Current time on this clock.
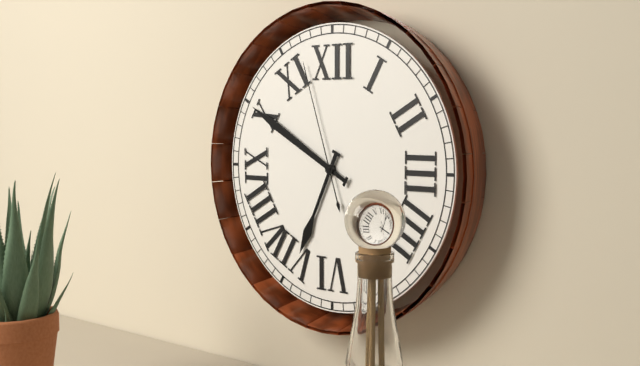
6:50:57
